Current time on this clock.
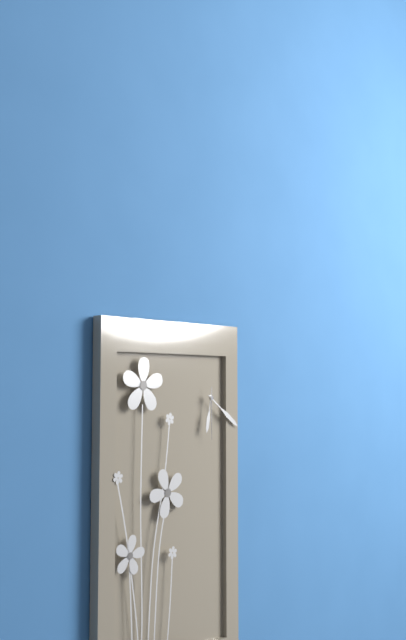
6:21:30
